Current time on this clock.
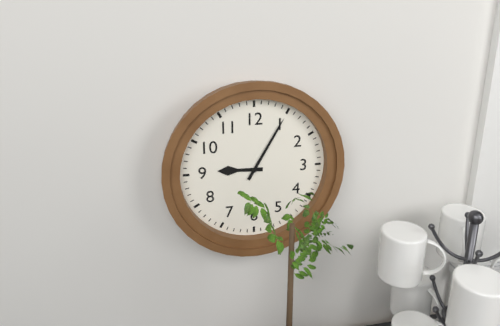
9:05
